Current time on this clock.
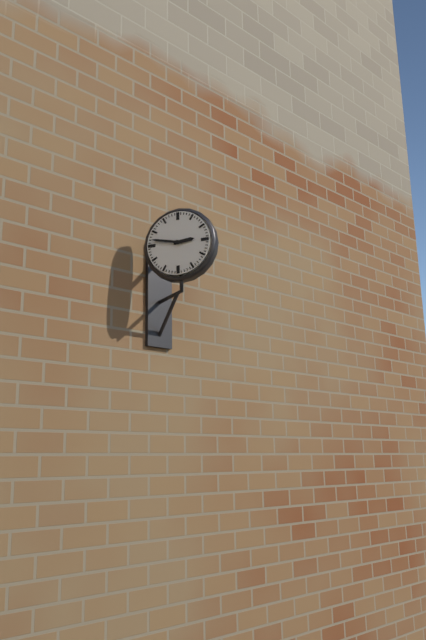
2:47
